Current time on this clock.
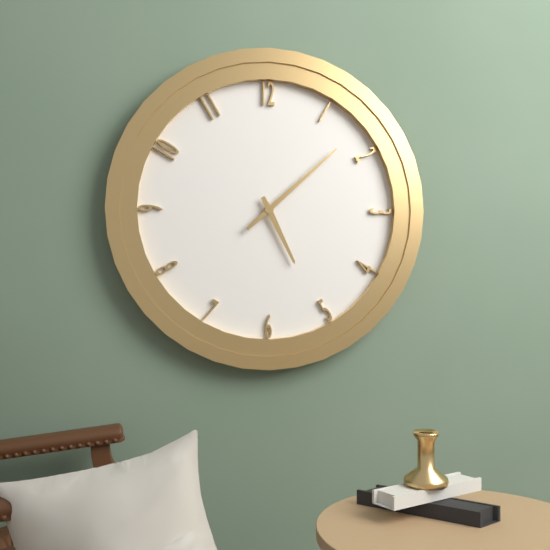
5:08
